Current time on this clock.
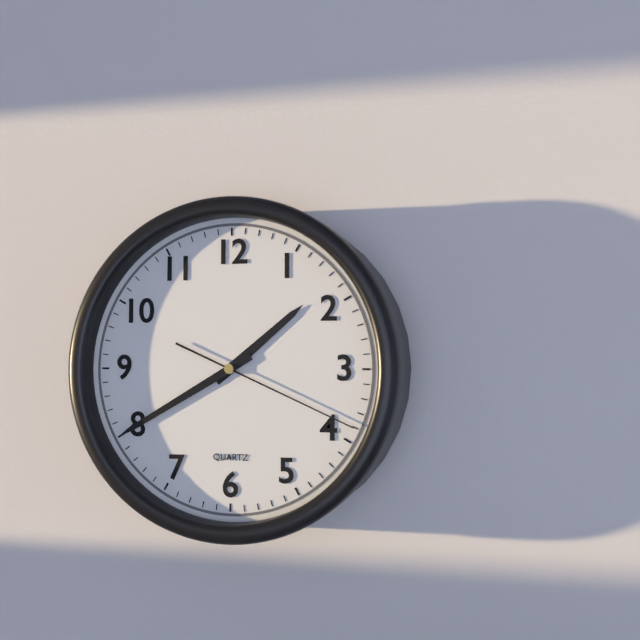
1:40:19
